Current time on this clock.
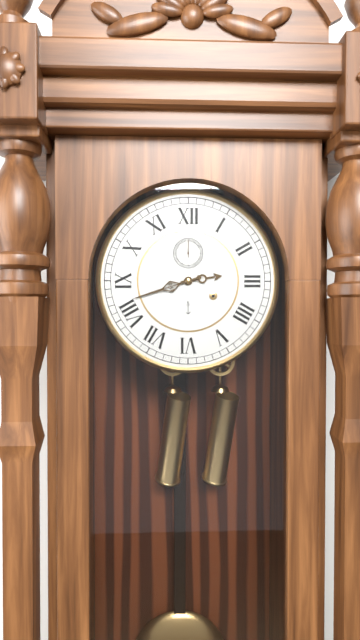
2:42
